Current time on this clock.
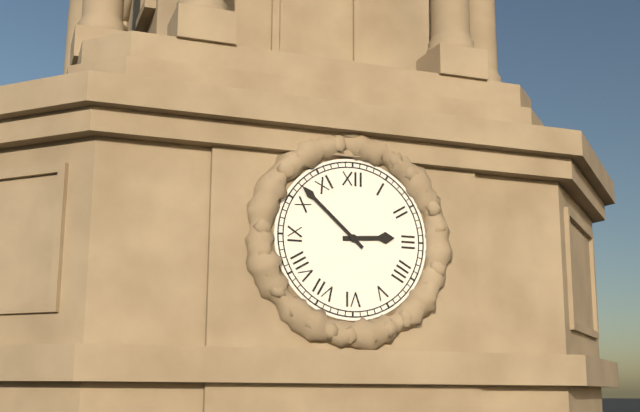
2:52
